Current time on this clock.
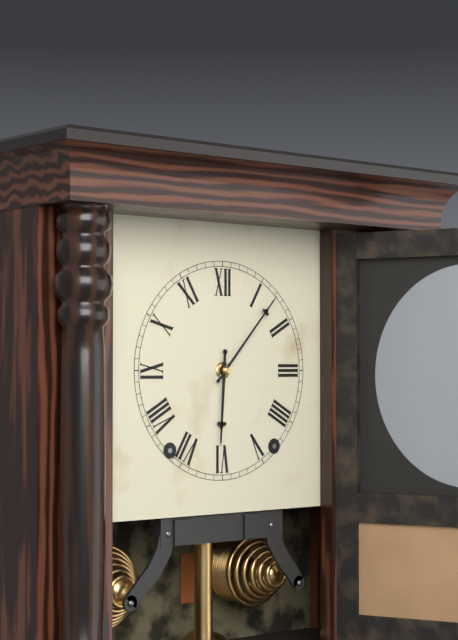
6:07
